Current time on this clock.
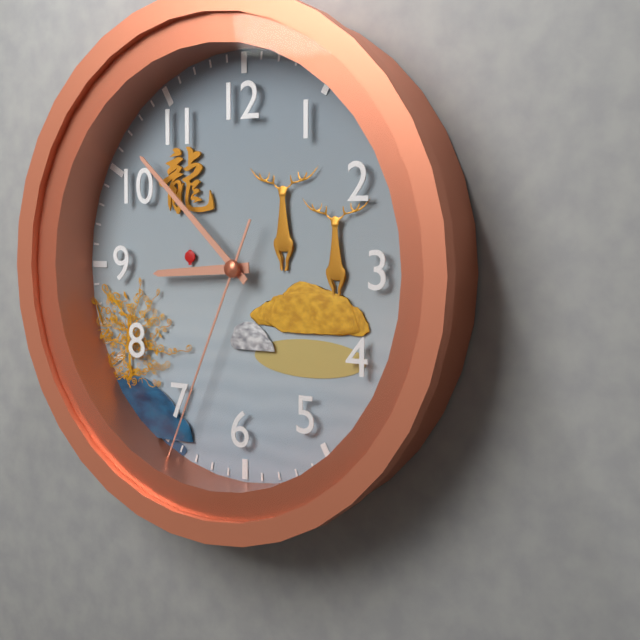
8:52:34
